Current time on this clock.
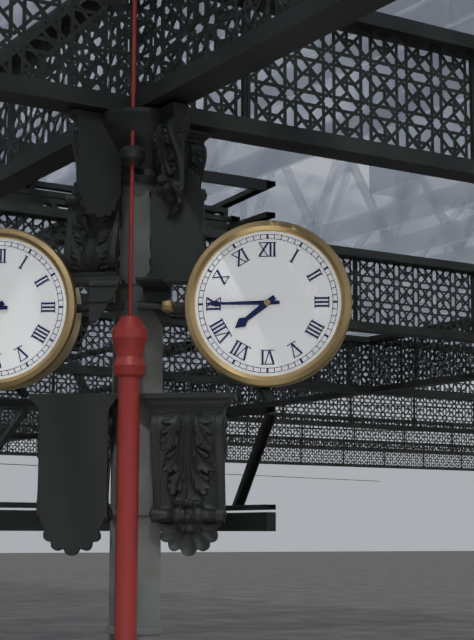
7:45
